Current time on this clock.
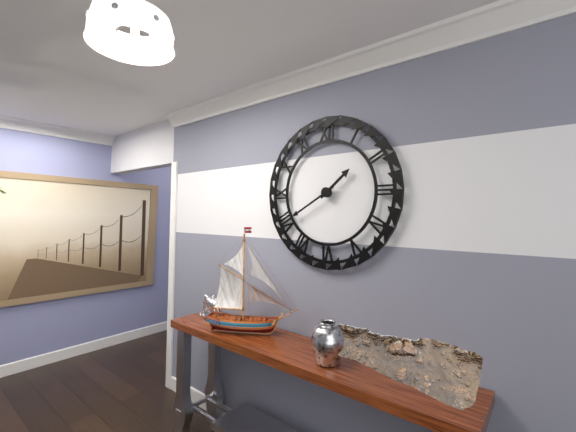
1:40
